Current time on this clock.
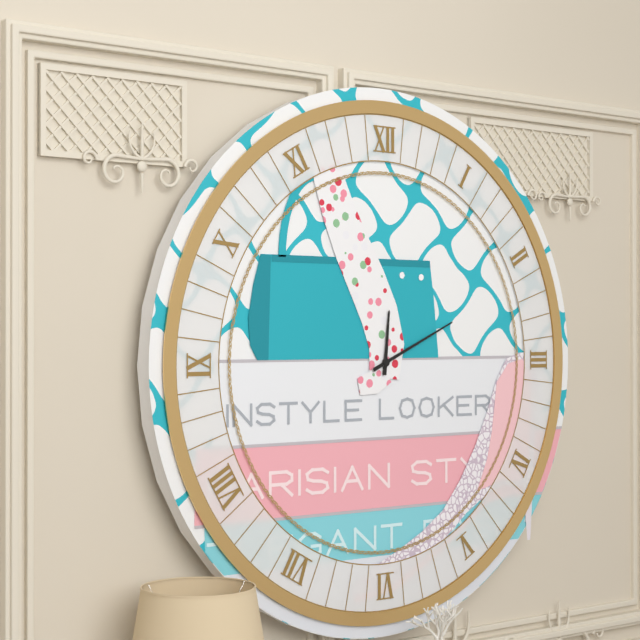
12:11
